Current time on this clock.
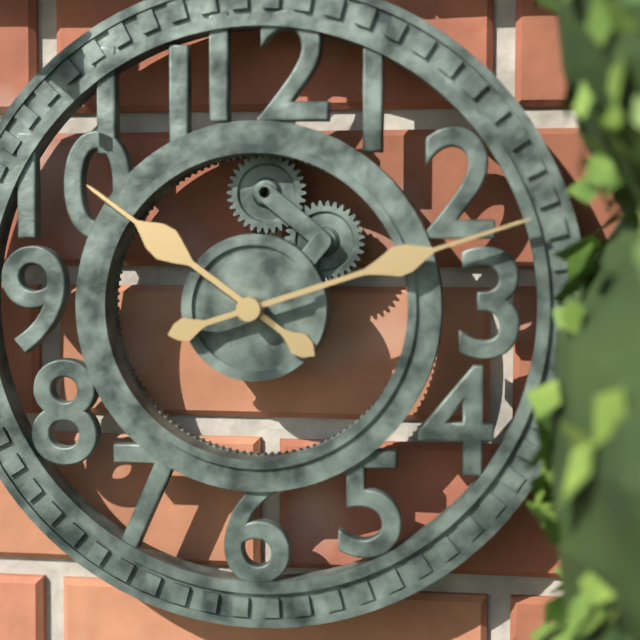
10:12
